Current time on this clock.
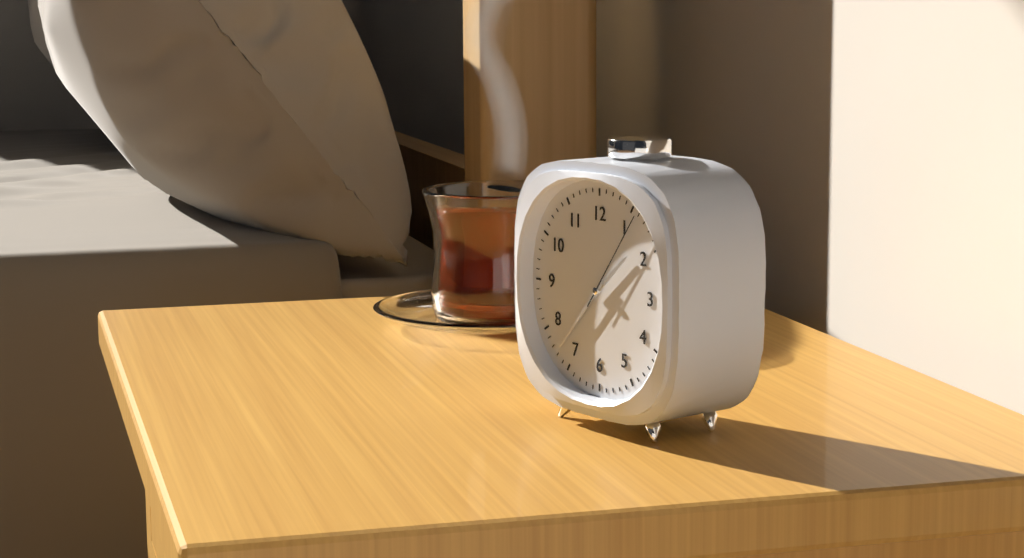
1:37:06
